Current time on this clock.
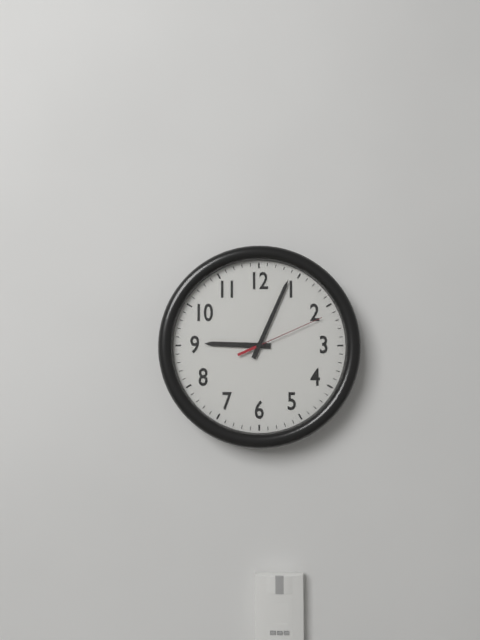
9:04:11
